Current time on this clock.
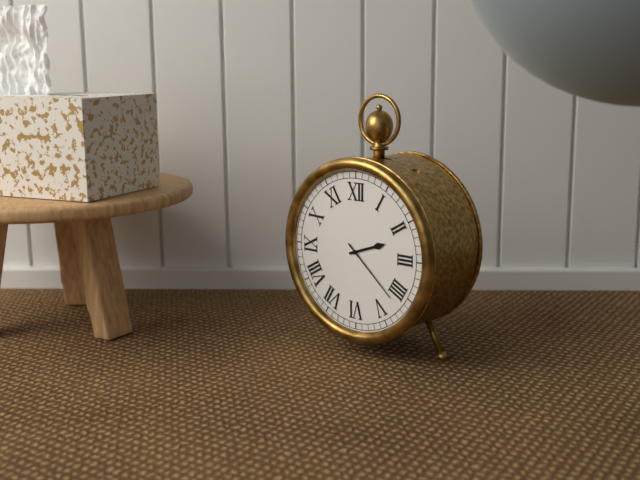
2:22
